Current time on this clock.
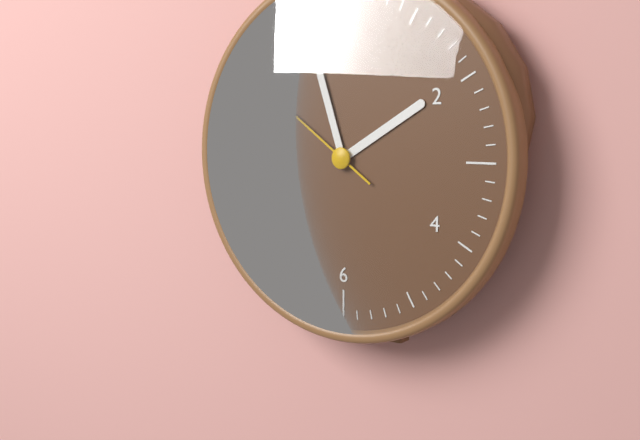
1:57:51
